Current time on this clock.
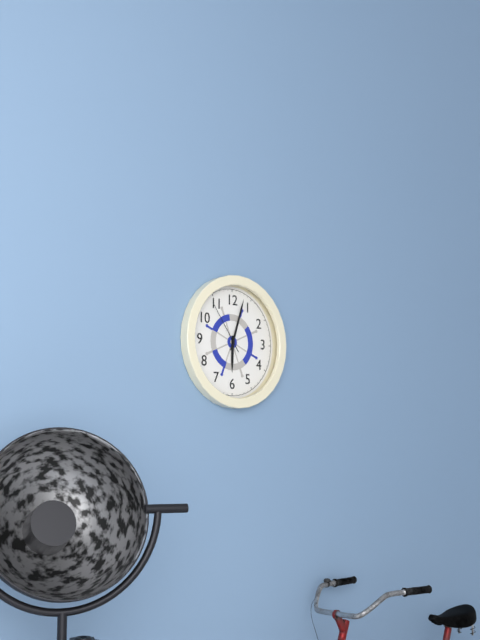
6:03:54
